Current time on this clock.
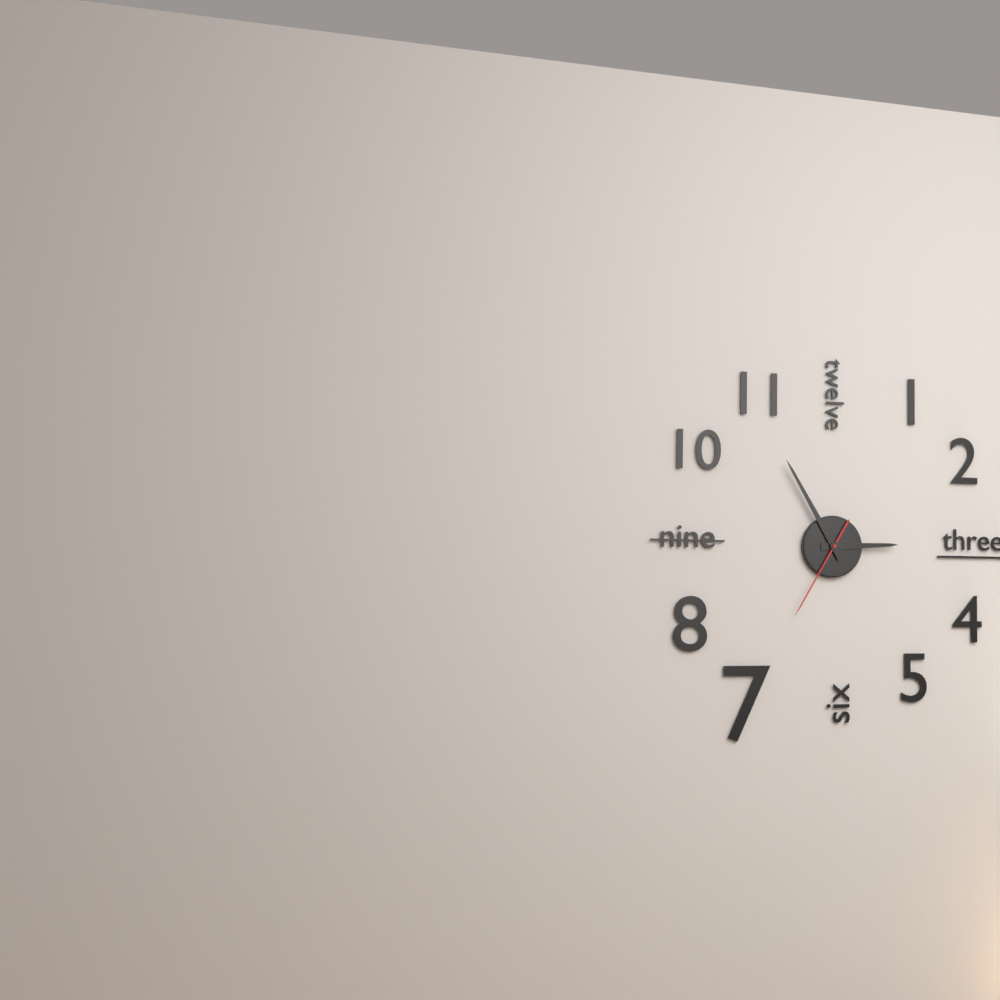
2:55:35
